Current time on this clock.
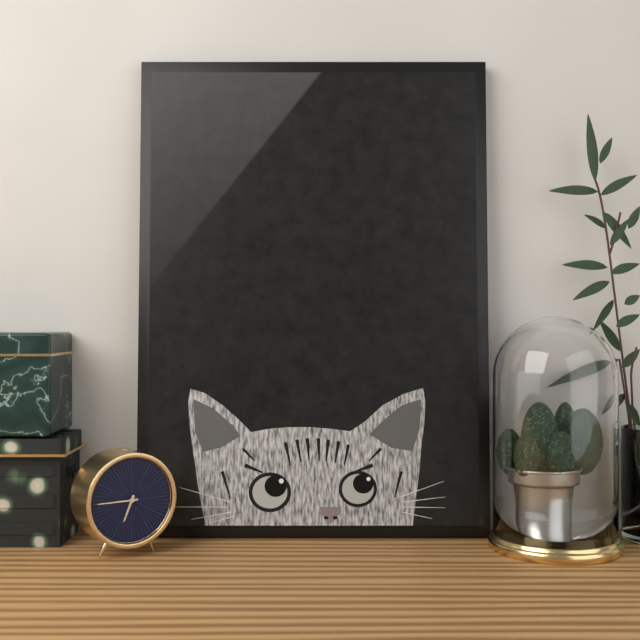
6:45
